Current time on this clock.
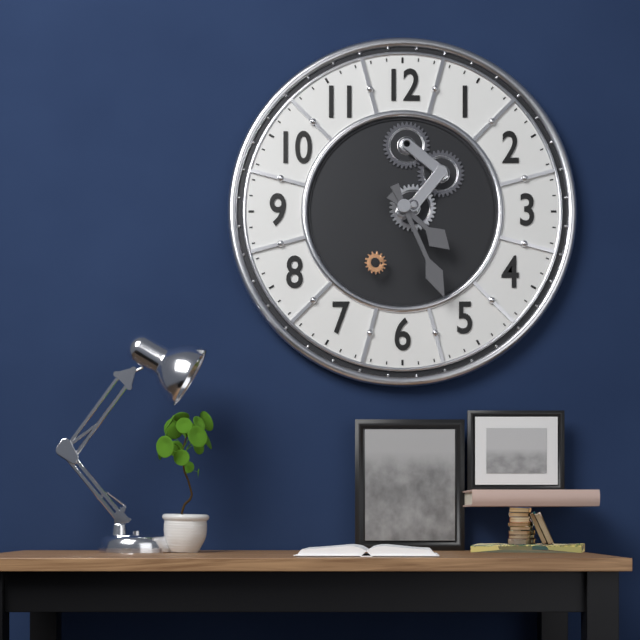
4:26
